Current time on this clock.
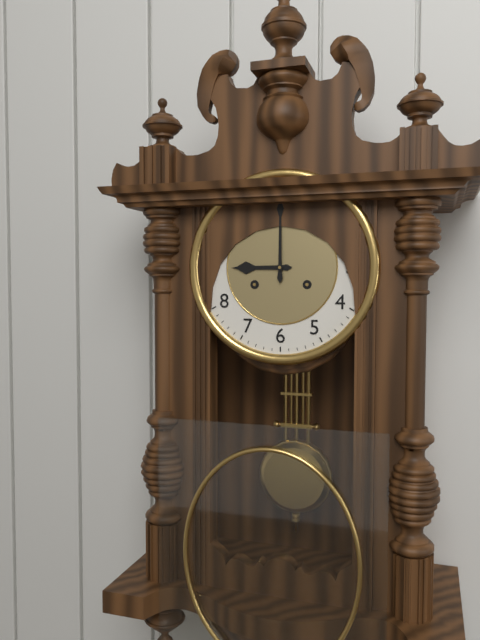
9:00
